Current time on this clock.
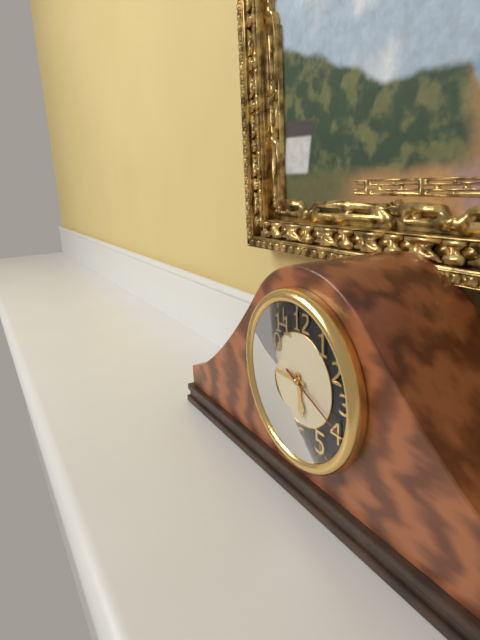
5:45:19
